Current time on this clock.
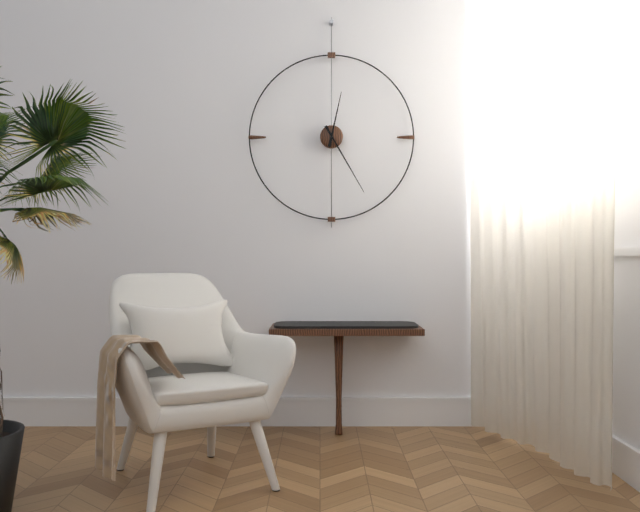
12:25
